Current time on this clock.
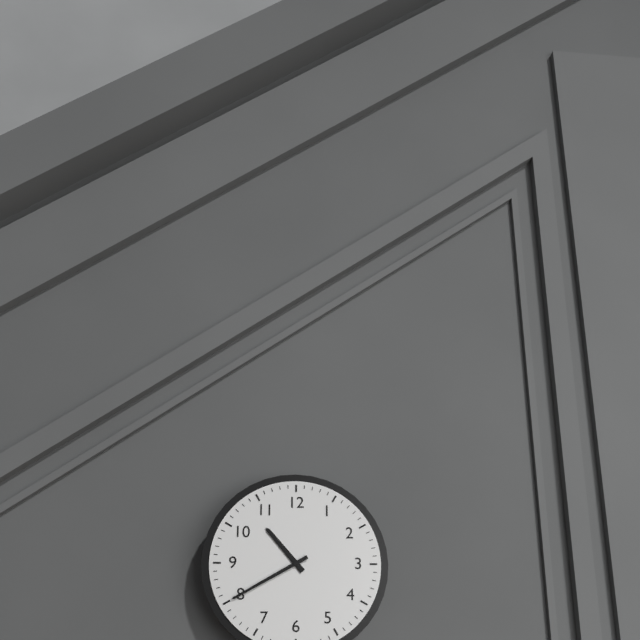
10:40
